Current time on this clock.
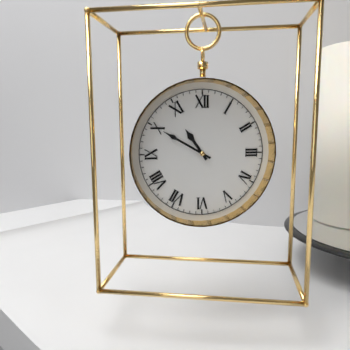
10:50
